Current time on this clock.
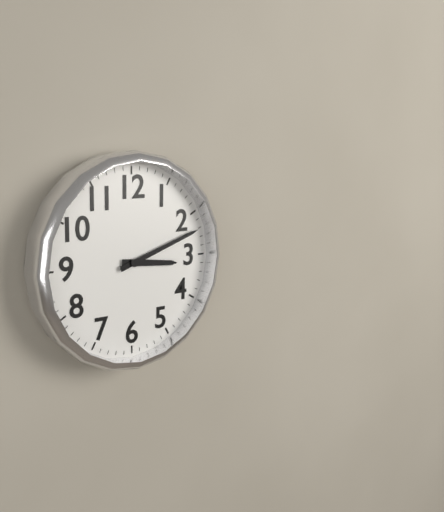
3:12
